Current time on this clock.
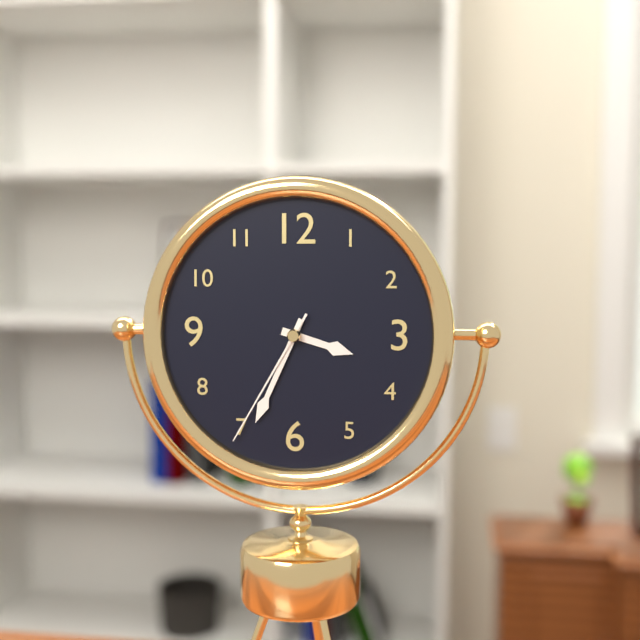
3:34:35
